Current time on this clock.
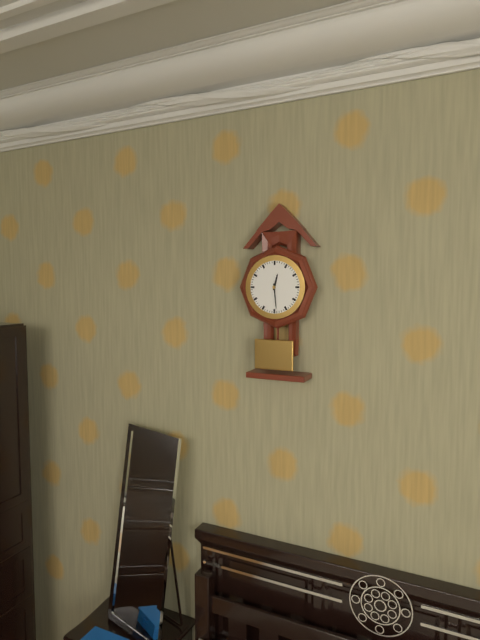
12:29
